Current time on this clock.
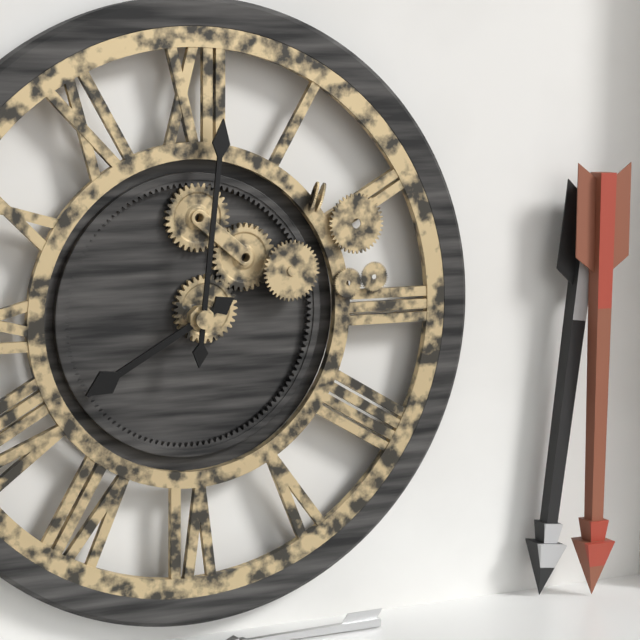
8:01
